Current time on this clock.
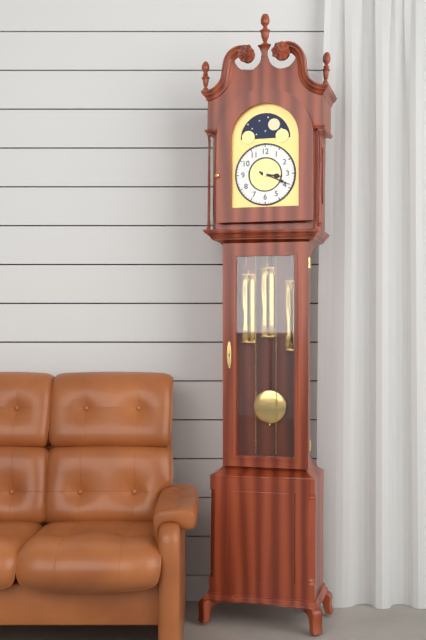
3:19
